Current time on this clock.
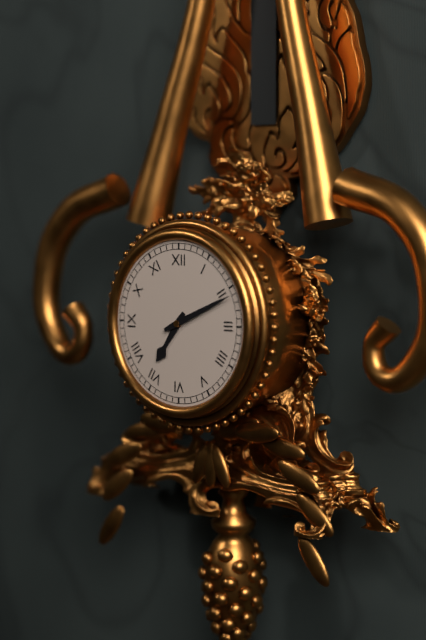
7:11
